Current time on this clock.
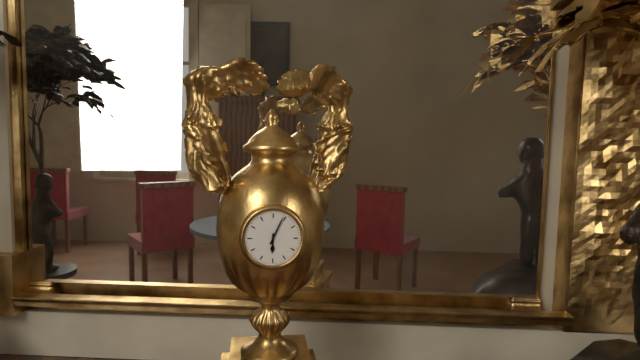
6:04
